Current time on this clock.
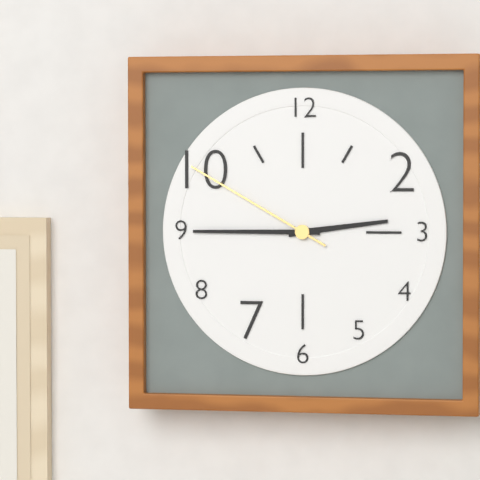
2:45:50
